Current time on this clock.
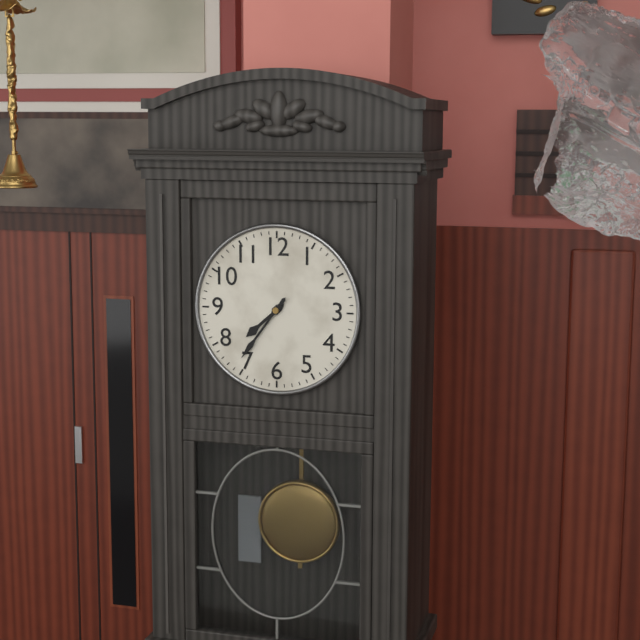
7:36
